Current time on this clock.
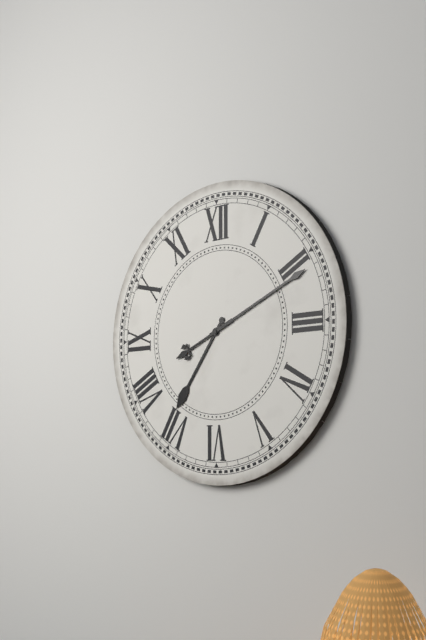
7:11
